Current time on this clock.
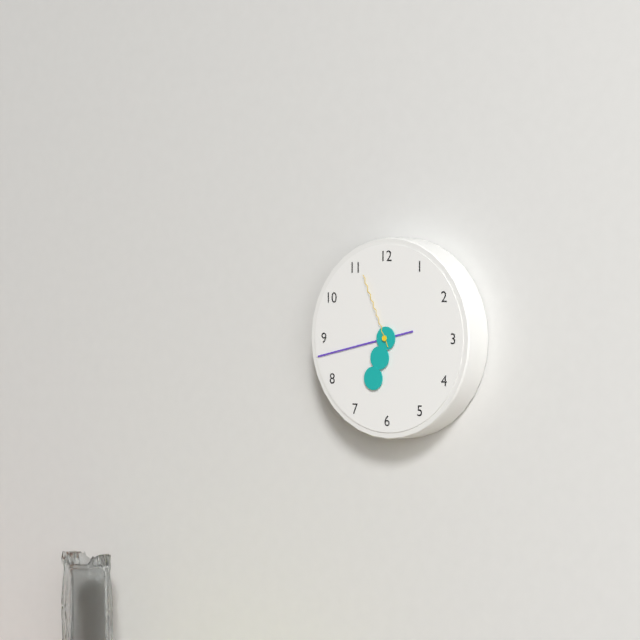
6:43:56
